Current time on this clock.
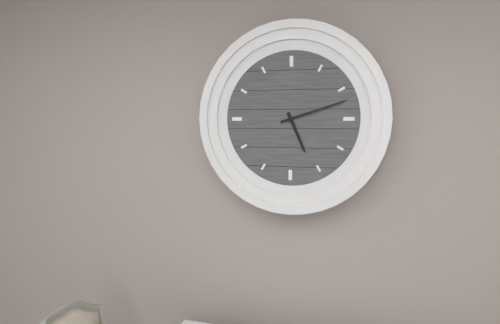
5:12
